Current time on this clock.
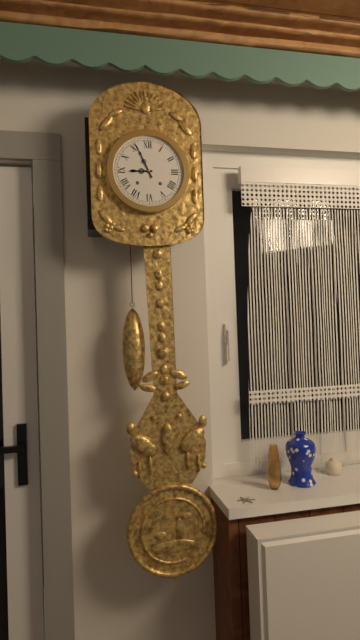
8:56
